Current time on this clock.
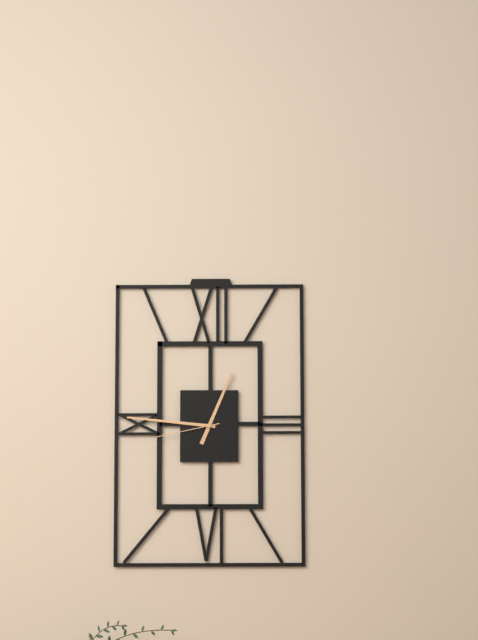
12:46:43
